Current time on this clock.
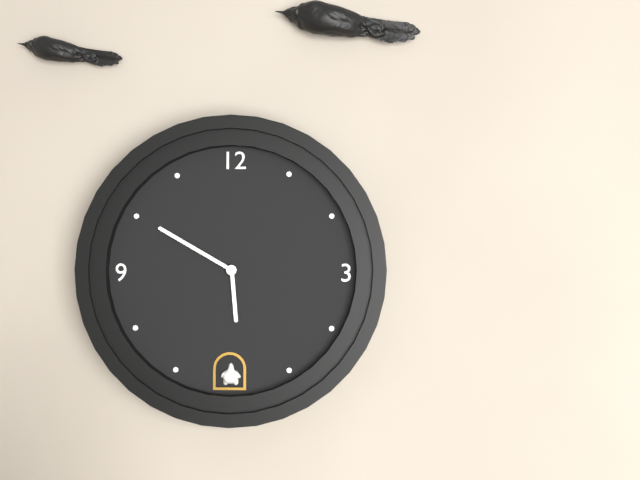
5:50
